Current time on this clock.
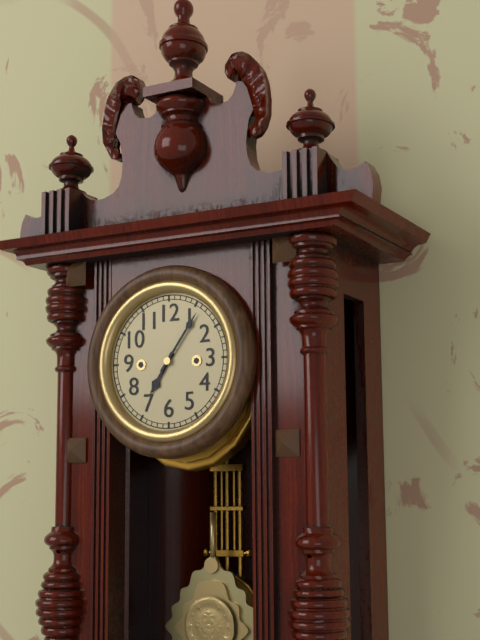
7:06
